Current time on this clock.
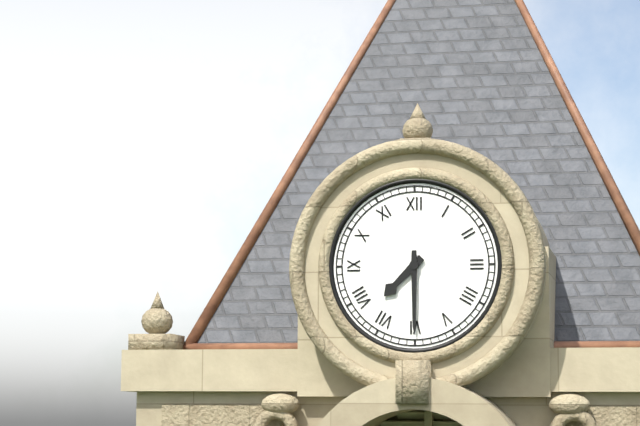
7:30
